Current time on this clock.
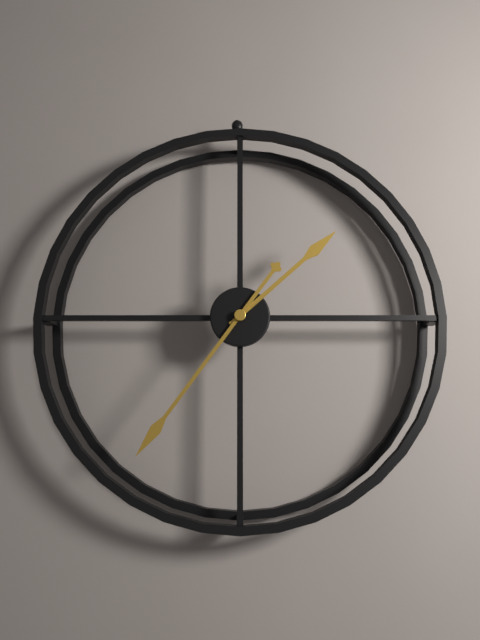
1:36
